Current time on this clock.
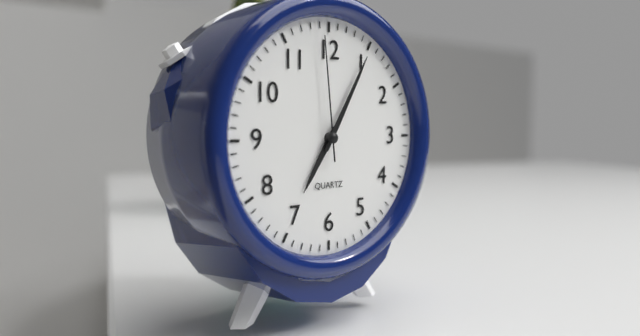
7:05:59
